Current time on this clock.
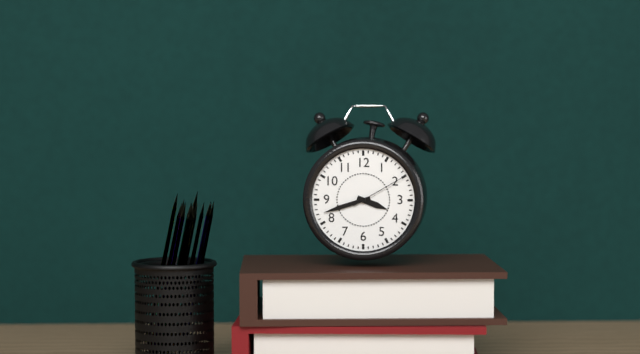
3:42:10
